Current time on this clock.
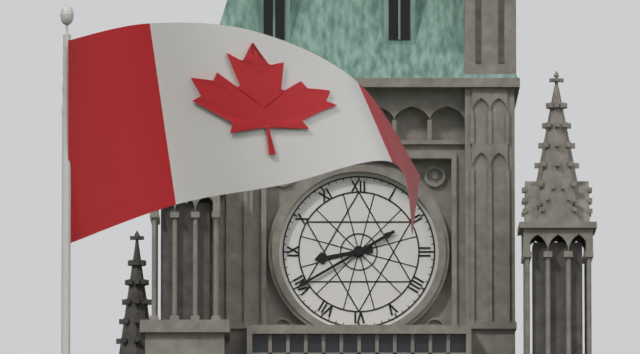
8:40
